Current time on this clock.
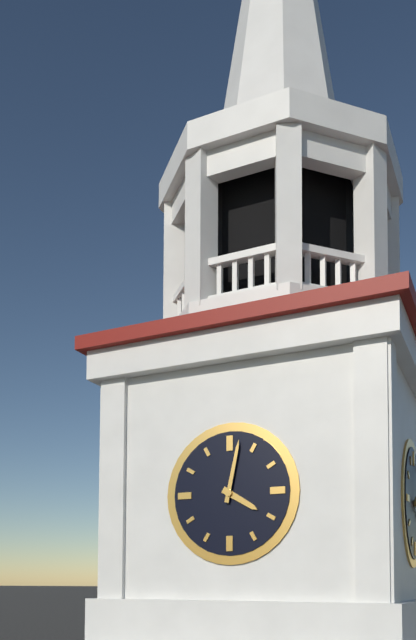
4:02
